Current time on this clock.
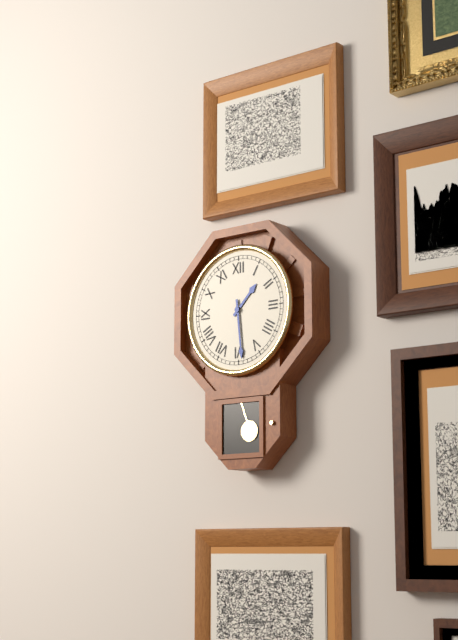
1:29
